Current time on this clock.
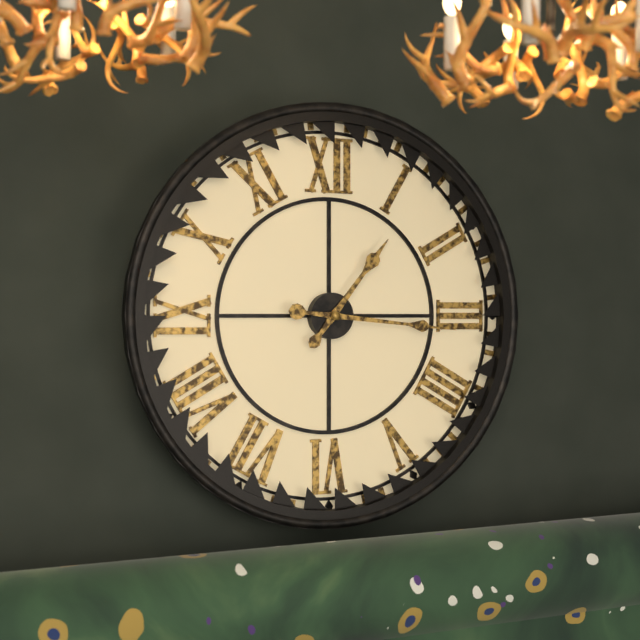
1:16
